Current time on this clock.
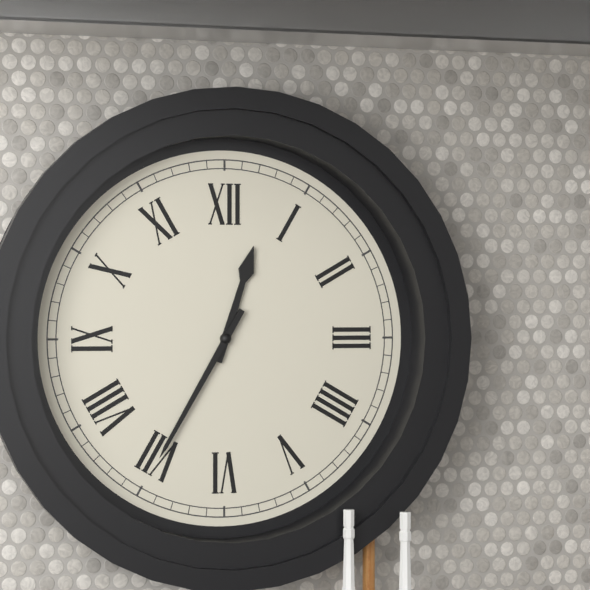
12:35
